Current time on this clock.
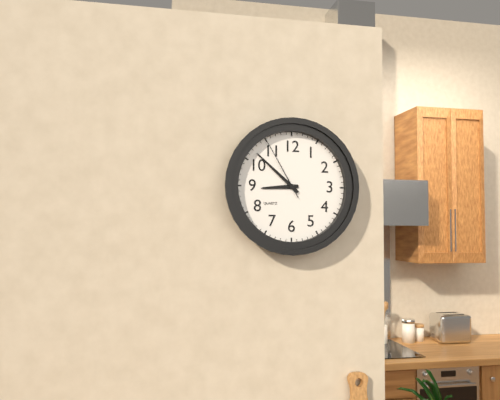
8:52:55
